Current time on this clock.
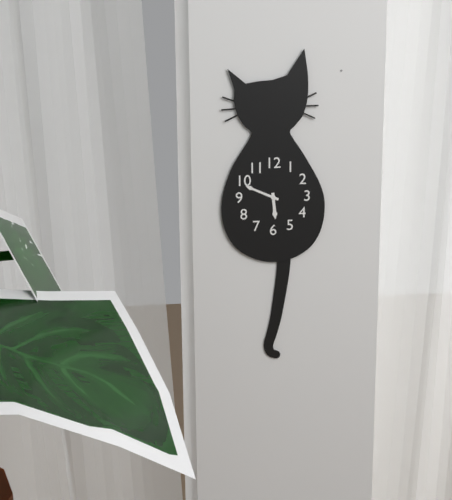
5:49
